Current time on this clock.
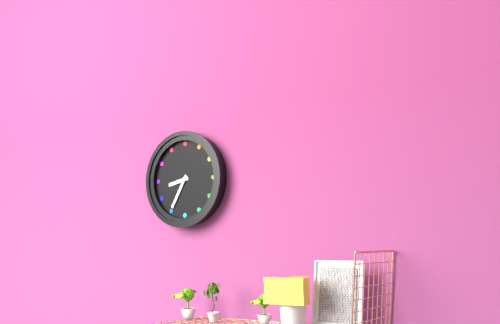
8:35
